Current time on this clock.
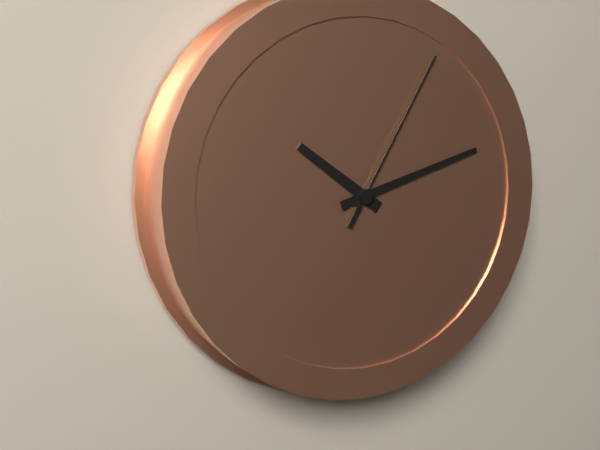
10:12:05
